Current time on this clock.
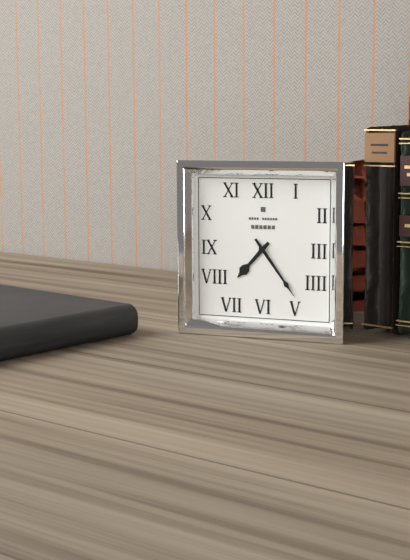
7:24
